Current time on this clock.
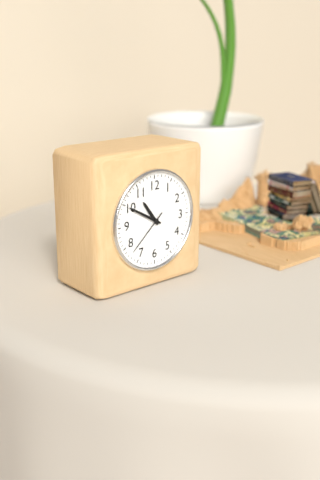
10:50
